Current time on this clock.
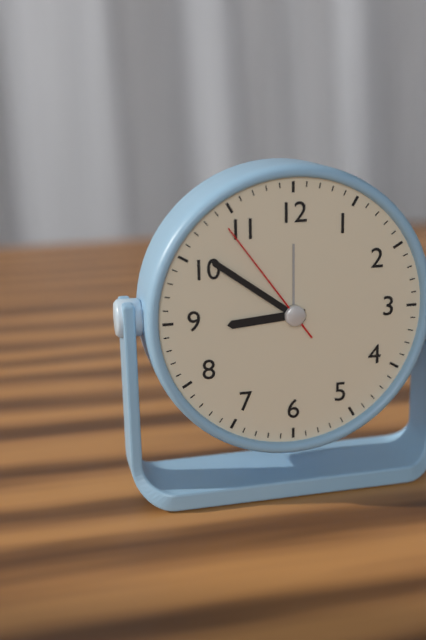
8:51:54
